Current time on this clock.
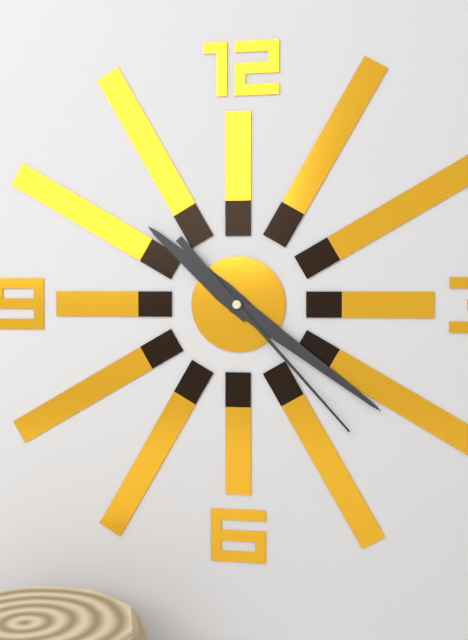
10:21:23
